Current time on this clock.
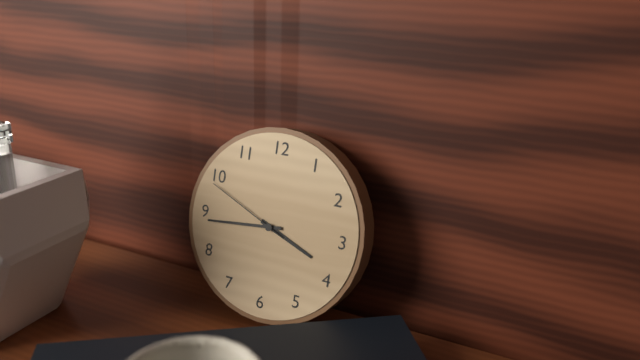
3:44:49
